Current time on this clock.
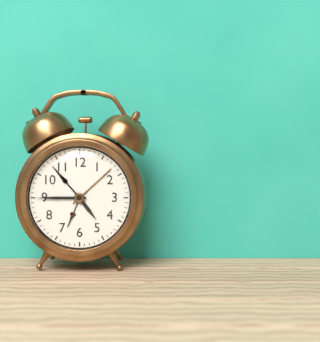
4:45
